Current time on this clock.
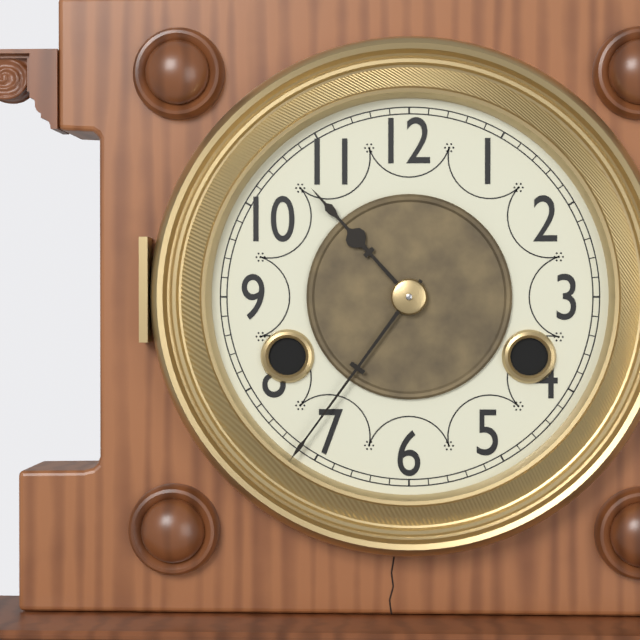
10:36
